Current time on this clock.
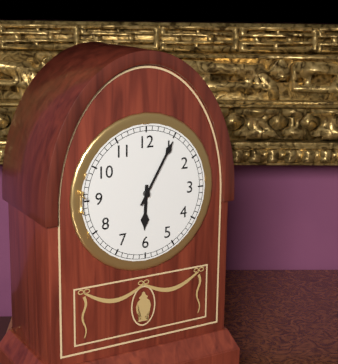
6:05
